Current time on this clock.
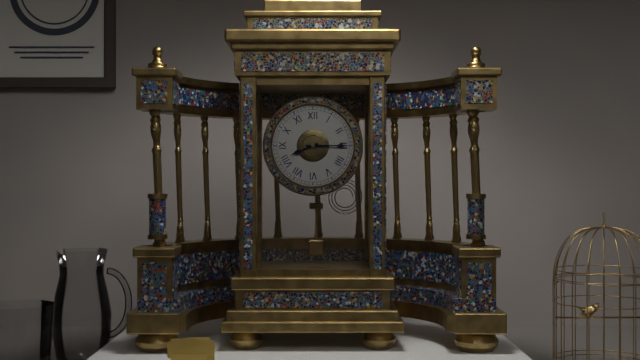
8:15
